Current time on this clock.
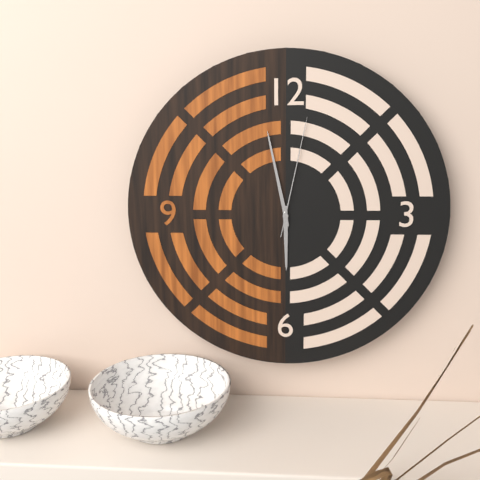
5:58:02
